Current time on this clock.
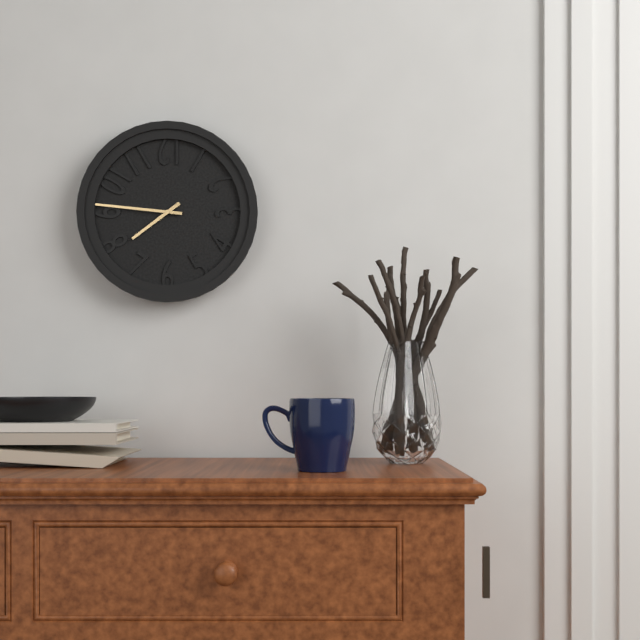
7:46
